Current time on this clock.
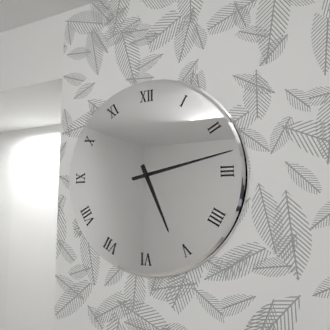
5:13
